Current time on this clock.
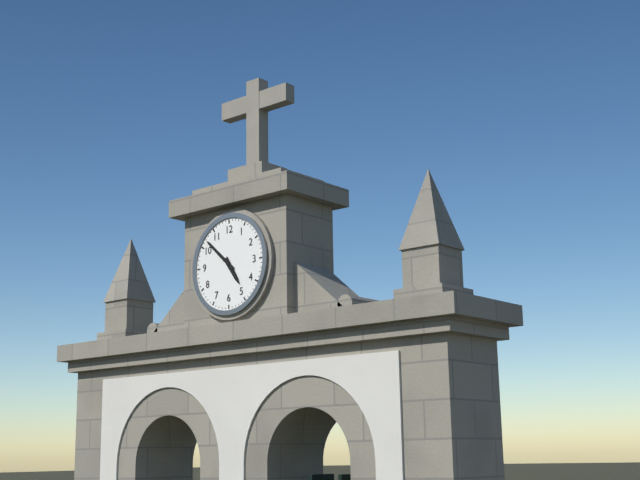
4:52
